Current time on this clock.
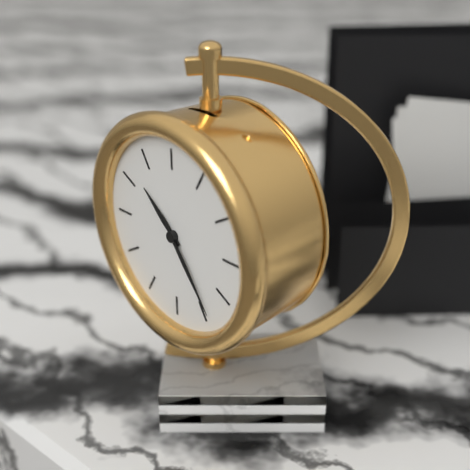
10:24
